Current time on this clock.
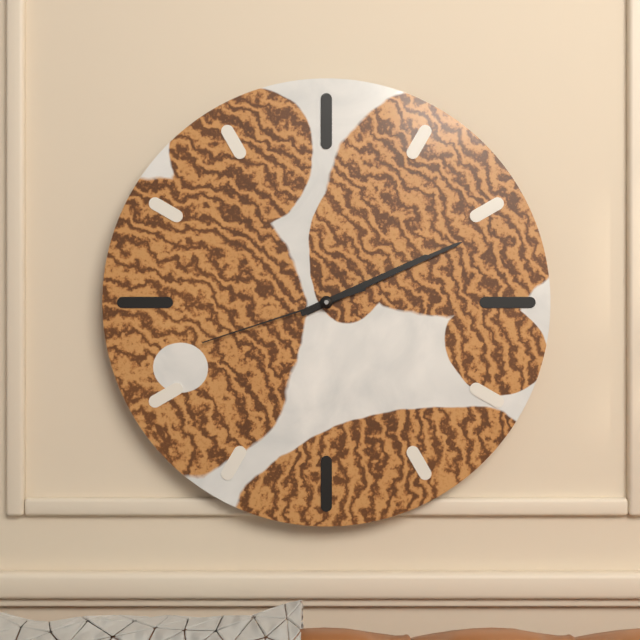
2:11:42
